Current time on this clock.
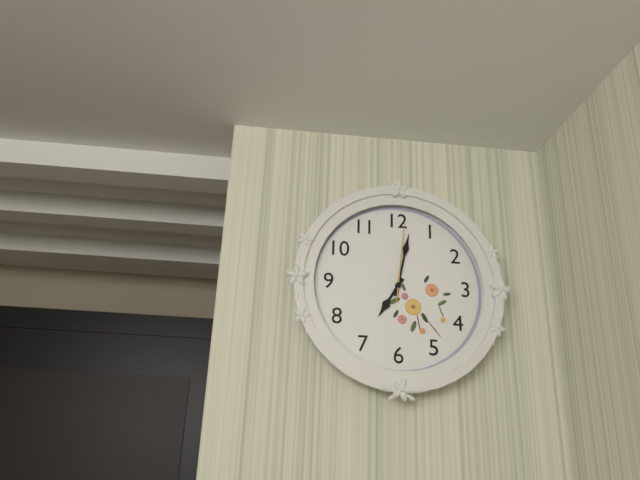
7:02:01
